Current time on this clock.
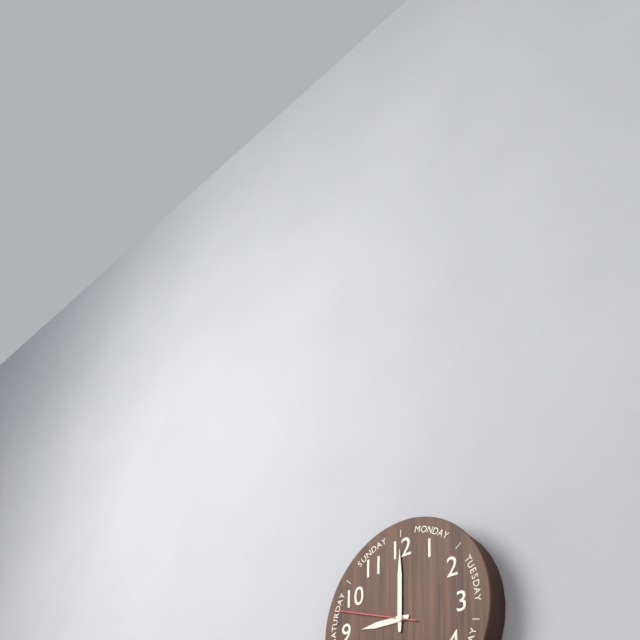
9:00:48
